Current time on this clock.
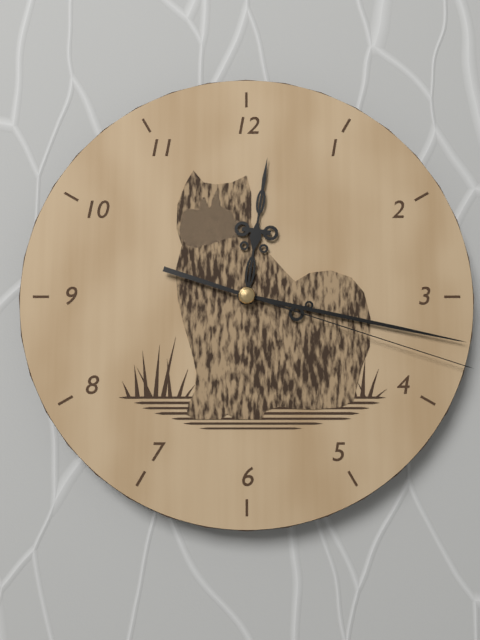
12:17:18
